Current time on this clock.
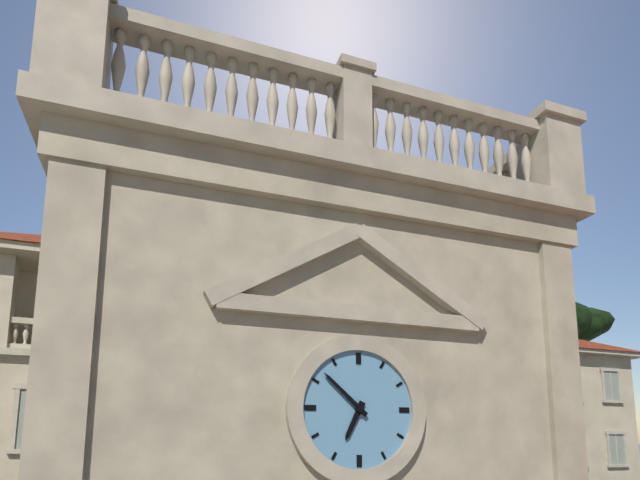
6:52
